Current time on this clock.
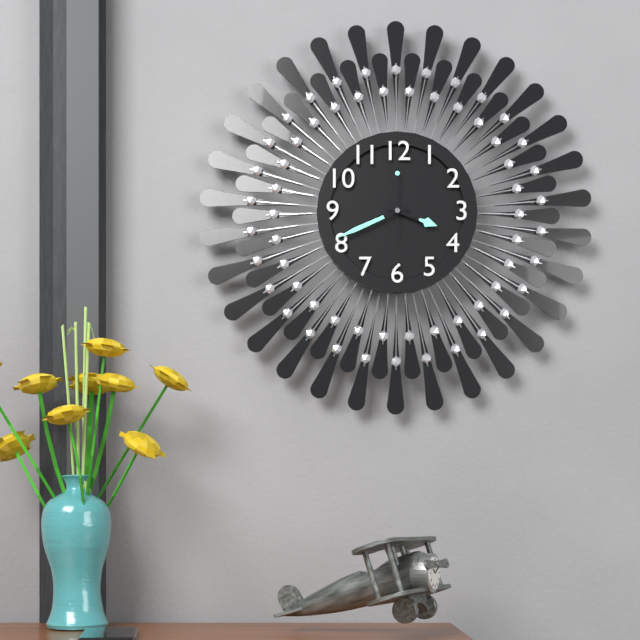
3:41:00
